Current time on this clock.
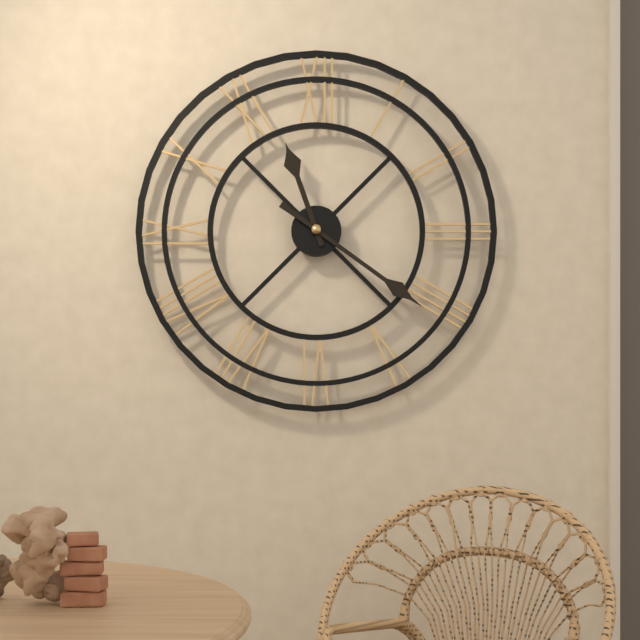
11:21
